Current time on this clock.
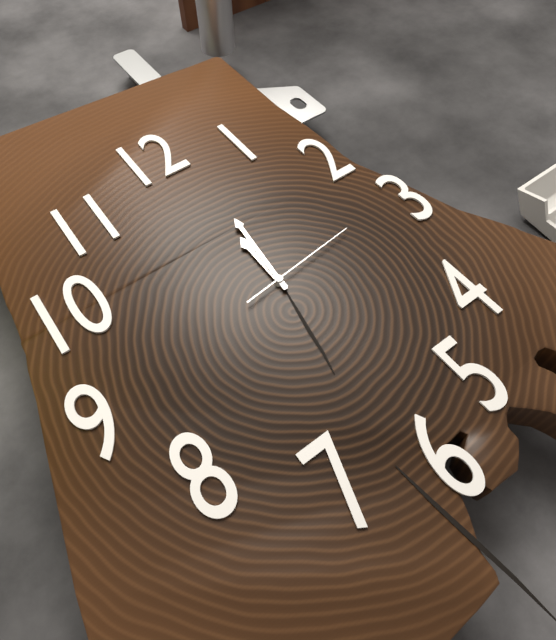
12:01:14
